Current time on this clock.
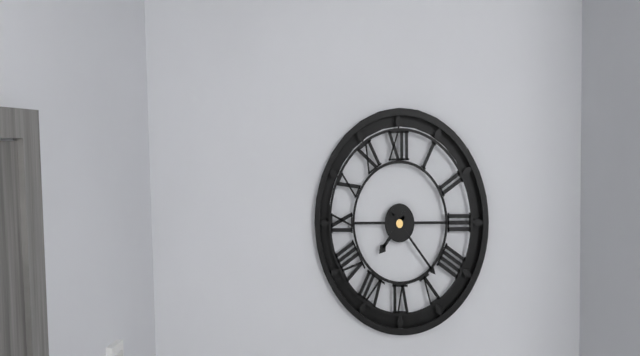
7:23
